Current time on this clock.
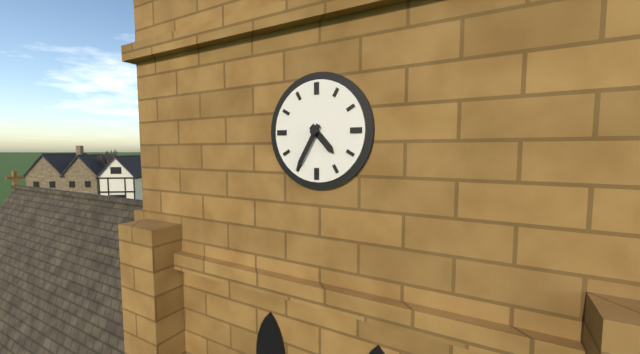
4:35
